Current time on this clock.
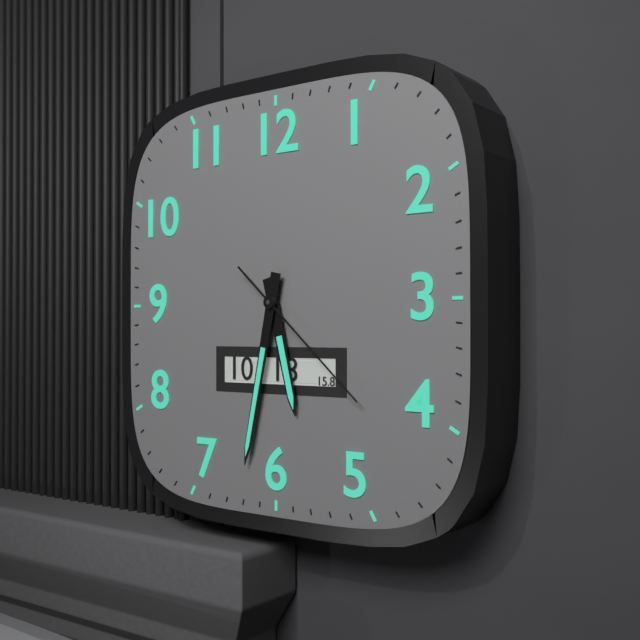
5:32:22
